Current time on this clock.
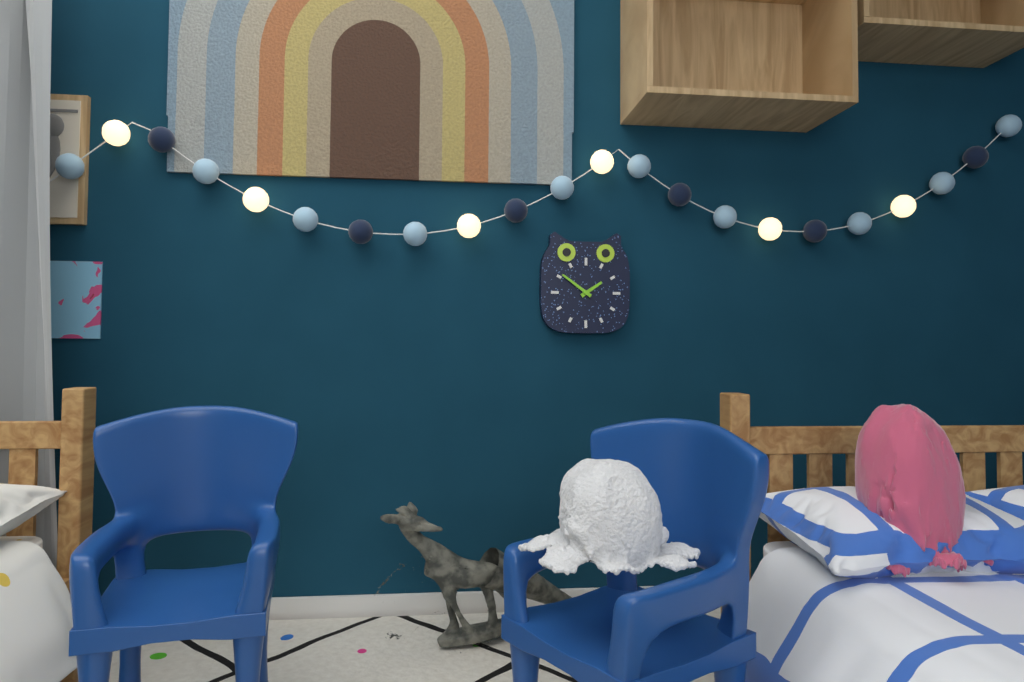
1:51
